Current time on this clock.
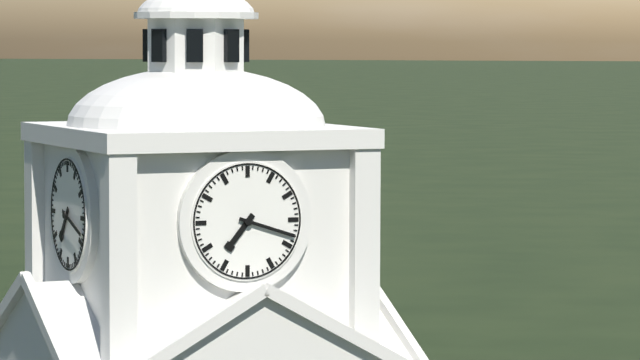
7:18
